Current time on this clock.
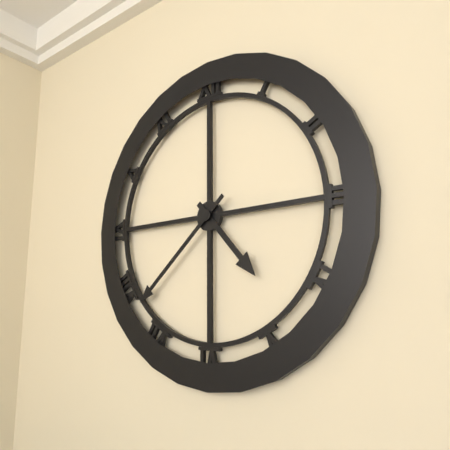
4:38
